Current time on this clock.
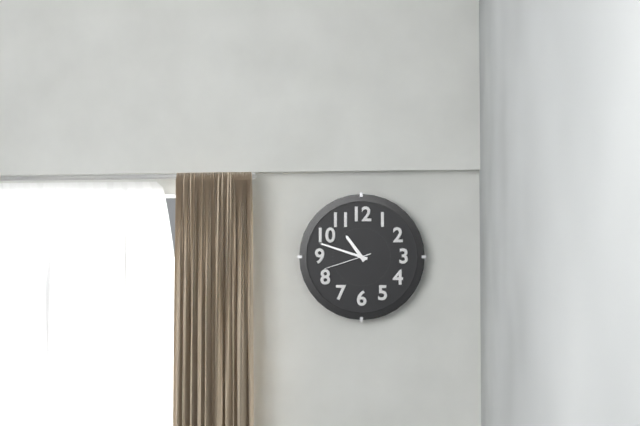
10:48
